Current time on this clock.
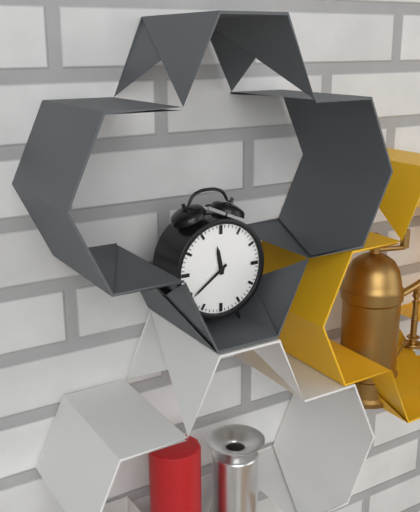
11:39
